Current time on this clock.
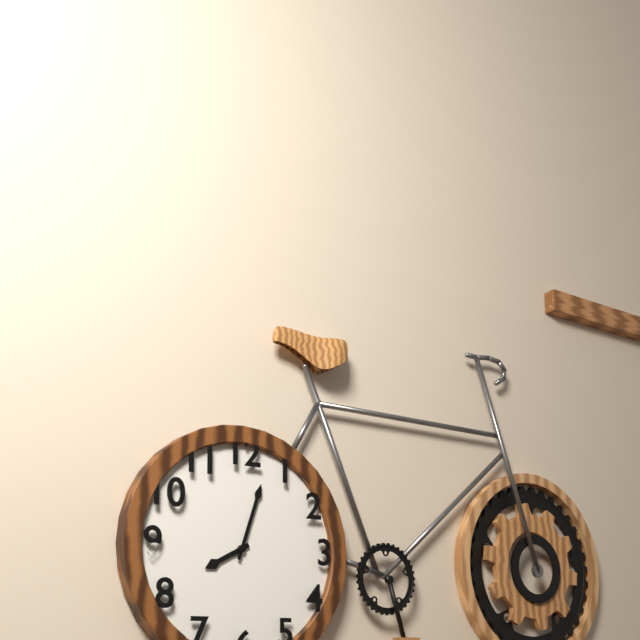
8:03
